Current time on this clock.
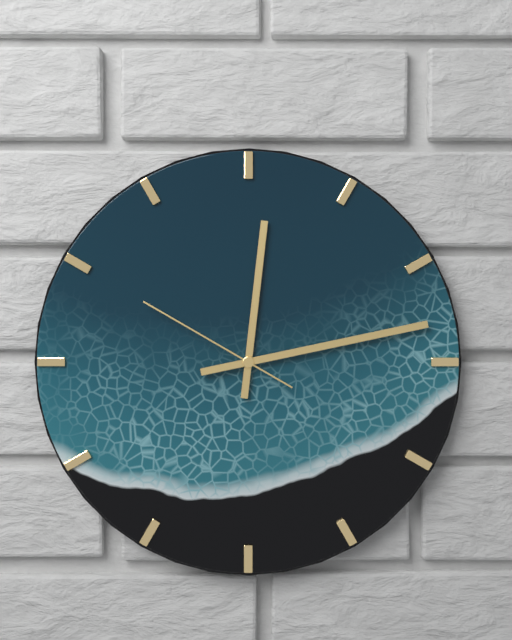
12:13:50
